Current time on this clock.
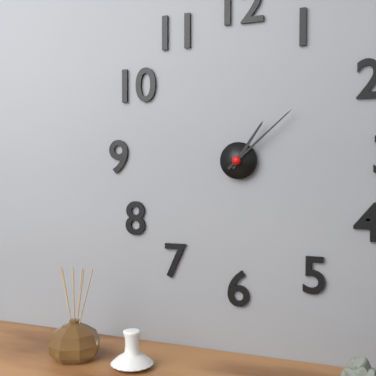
1:08
